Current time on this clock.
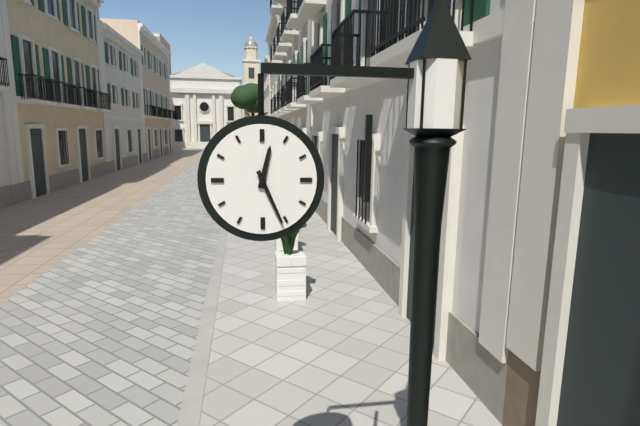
12:26
